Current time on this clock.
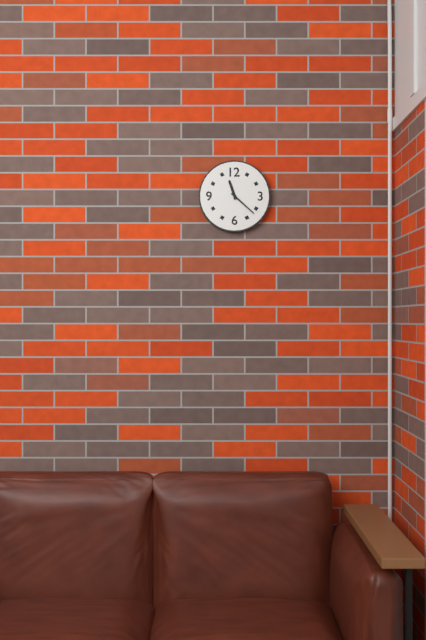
11:22
